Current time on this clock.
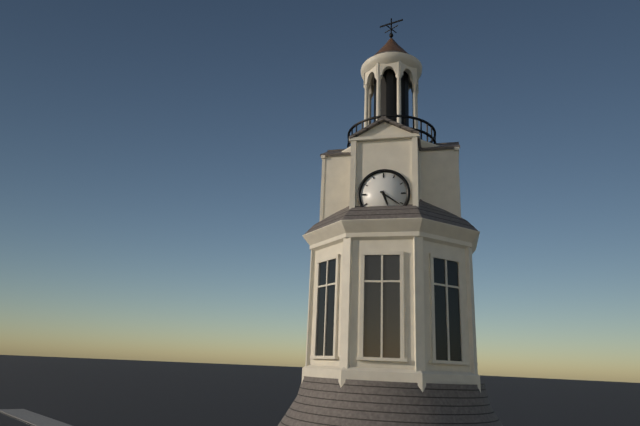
5:21
